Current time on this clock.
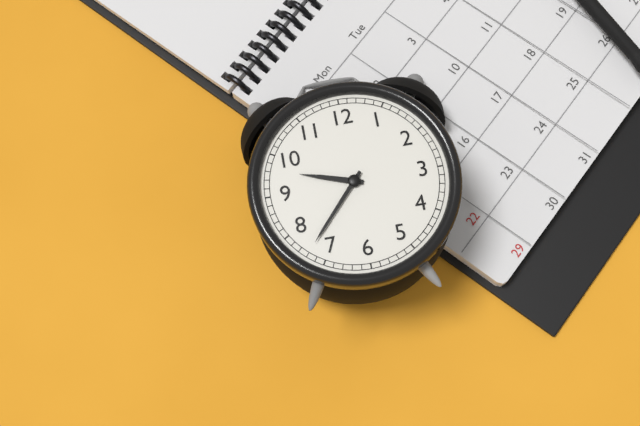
9:37
